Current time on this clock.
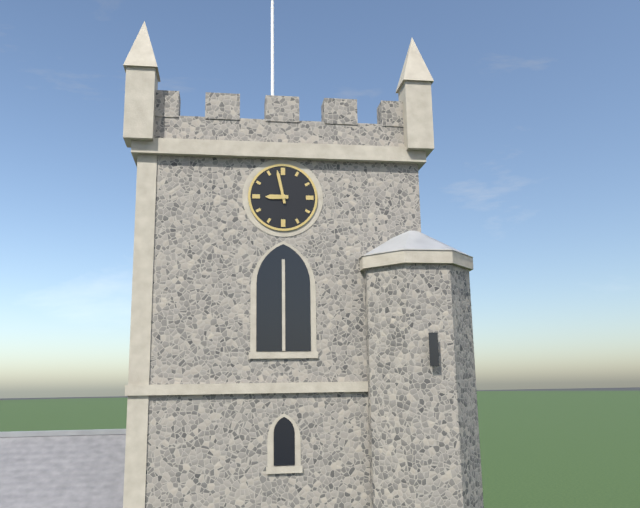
8:58
